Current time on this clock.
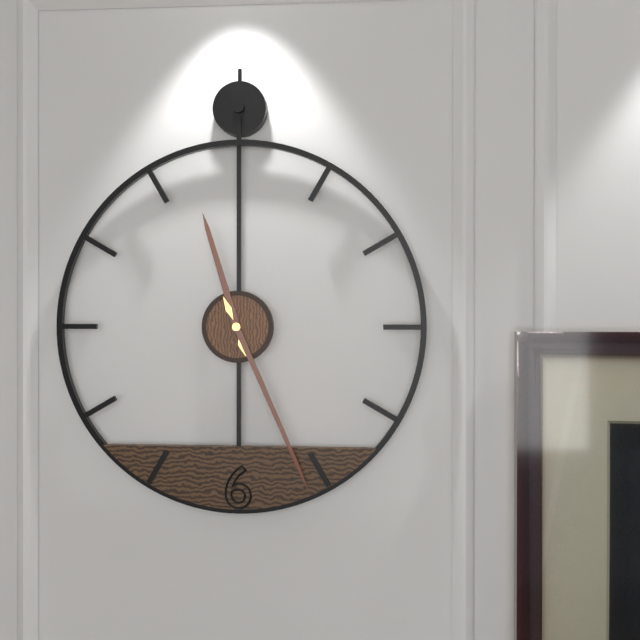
11:26
